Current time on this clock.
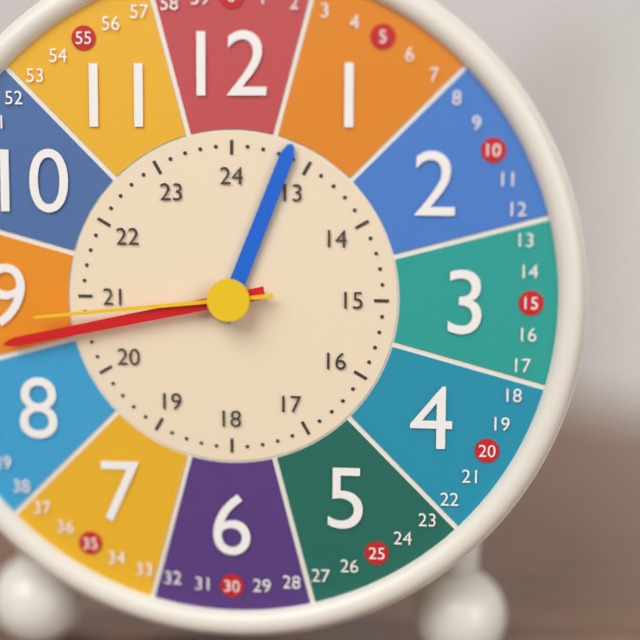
12:43:44
